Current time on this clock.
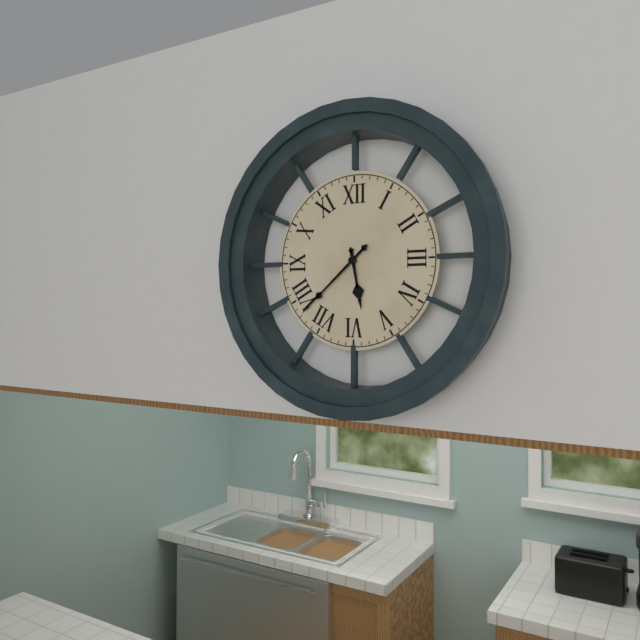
5:38
